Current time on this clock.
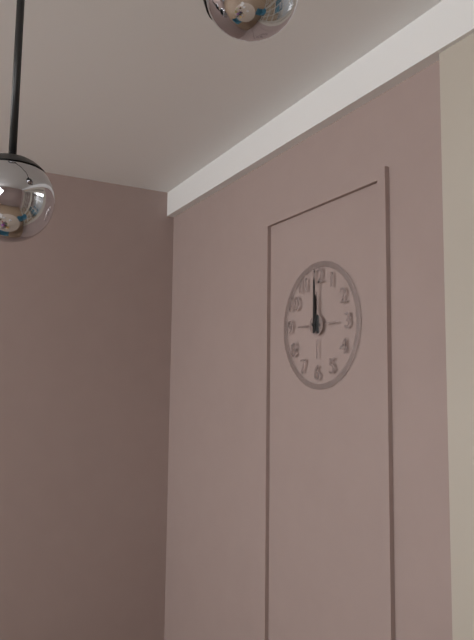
12:00
